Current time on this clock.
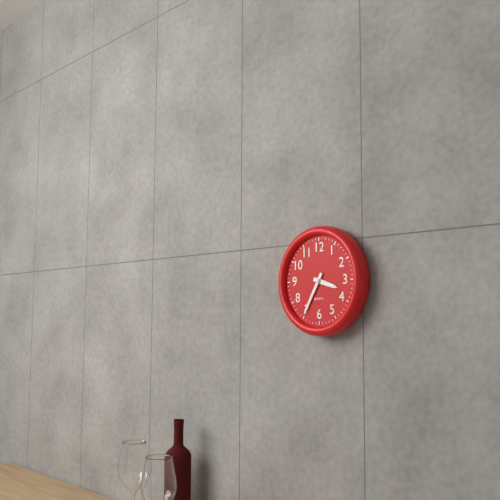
3:35
